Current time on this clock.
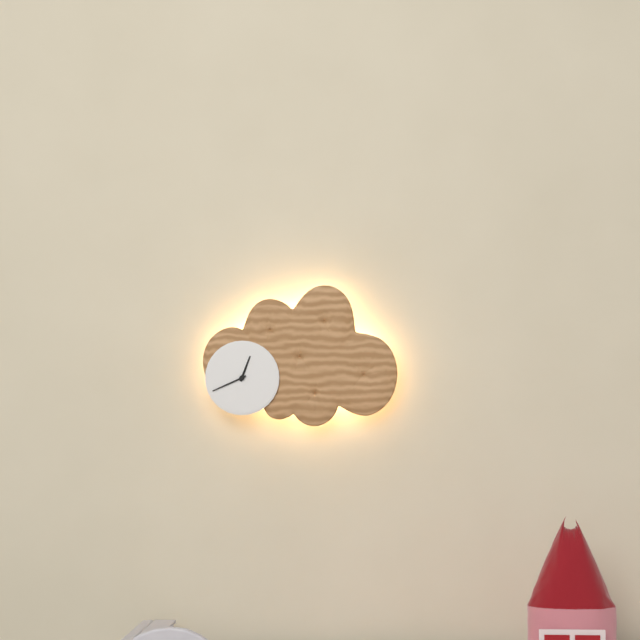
12:41
